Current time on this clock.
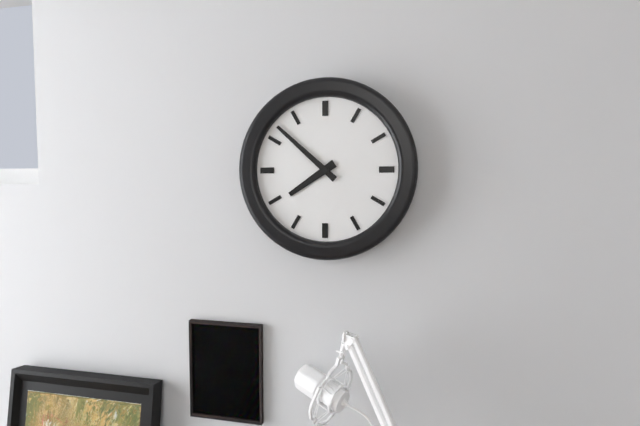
7:52
